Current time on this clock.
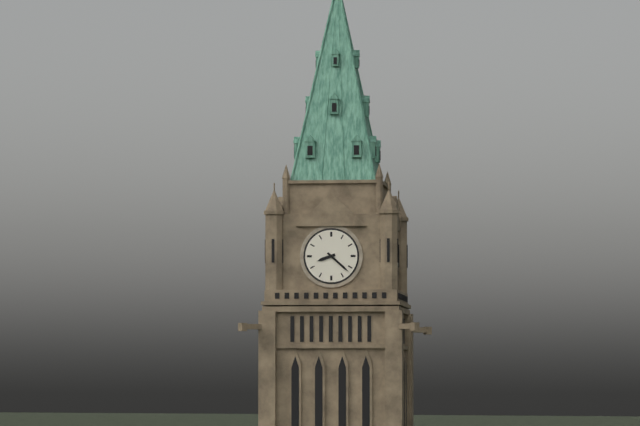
8:22
